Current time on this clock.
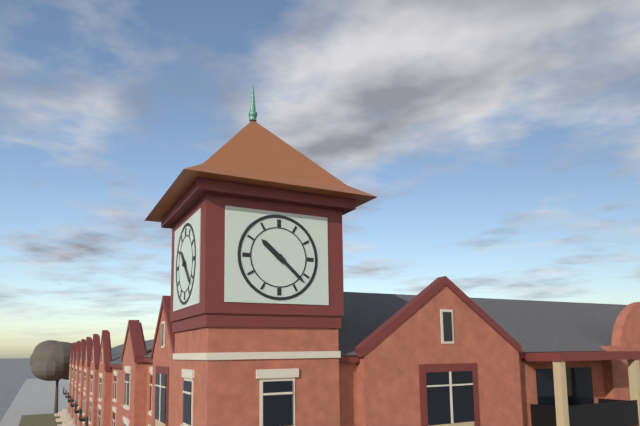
10:22
